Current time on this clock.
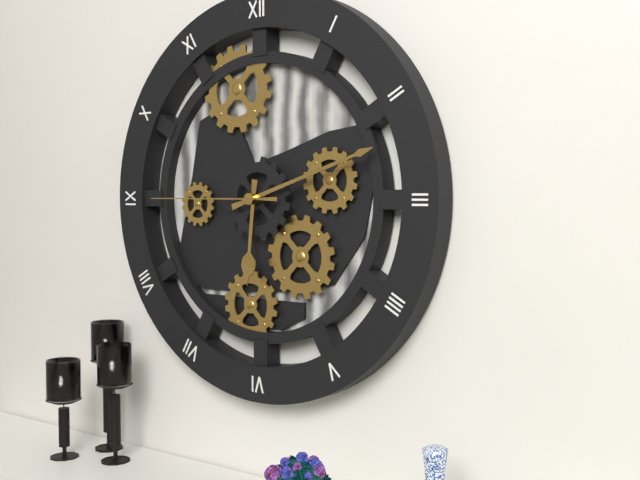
6:12:45
